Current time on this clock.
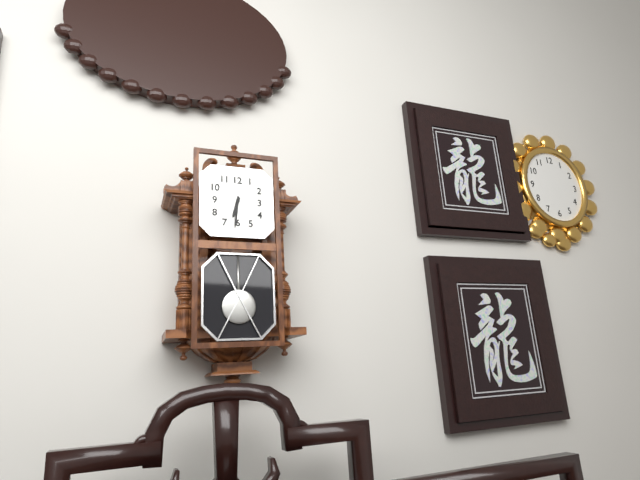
6:31
